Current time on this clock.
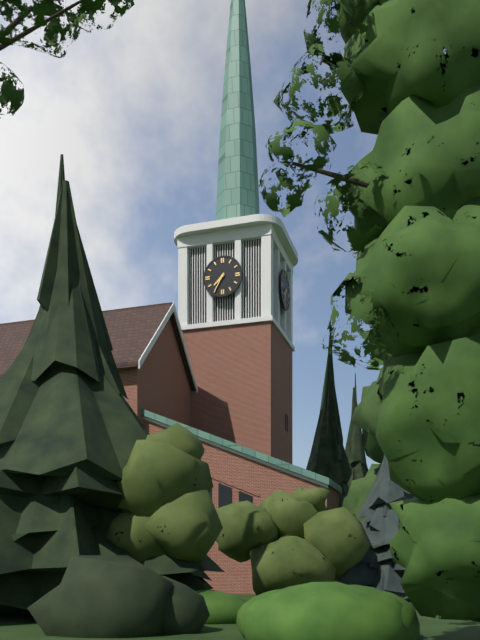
7:35
